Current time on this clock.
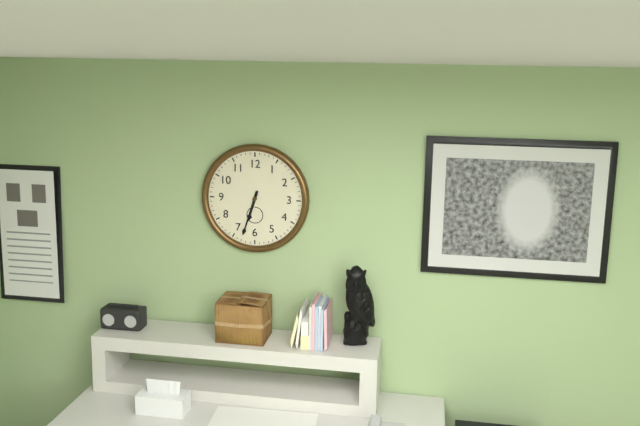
6:33
